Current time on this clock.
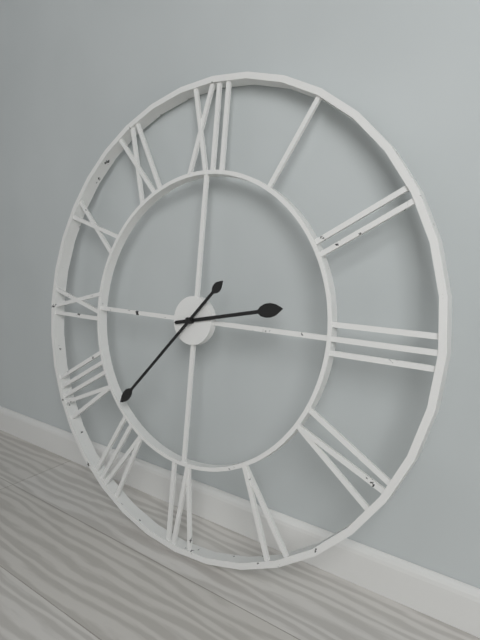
2:37
